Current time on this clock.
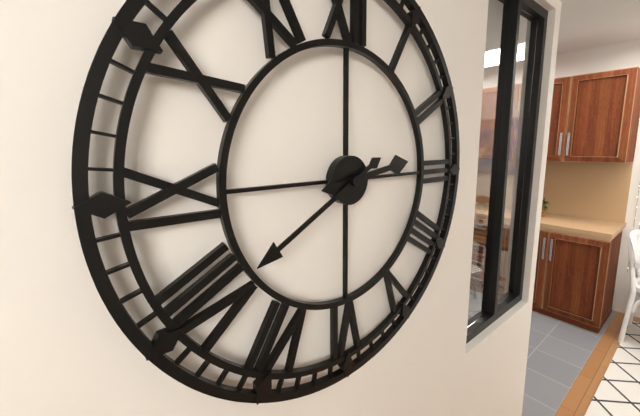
2:40
